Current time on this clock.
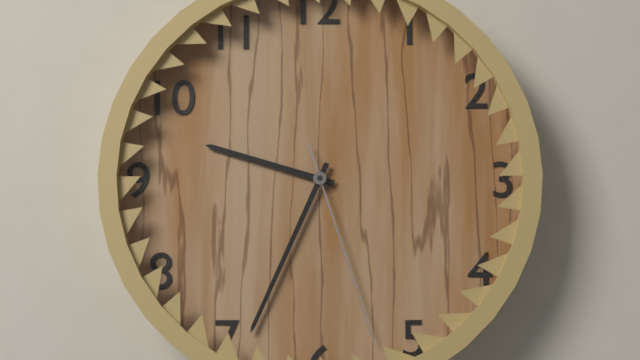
9:34:27
